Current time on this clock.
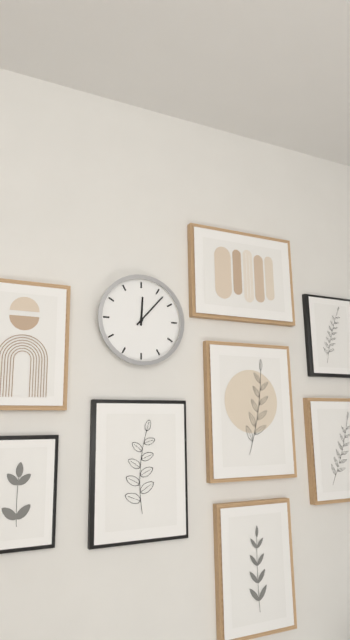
12:07
